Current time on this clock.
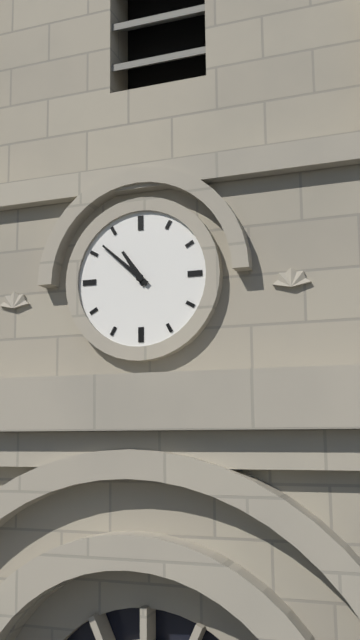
10:52
